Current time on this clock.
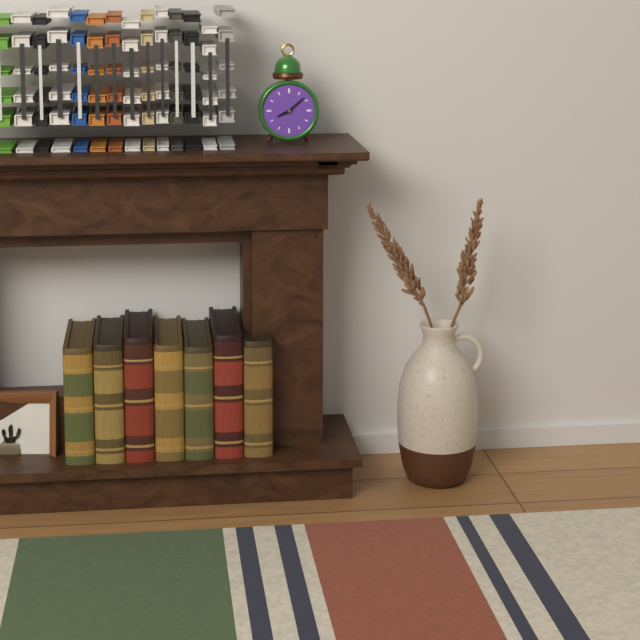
8:08
